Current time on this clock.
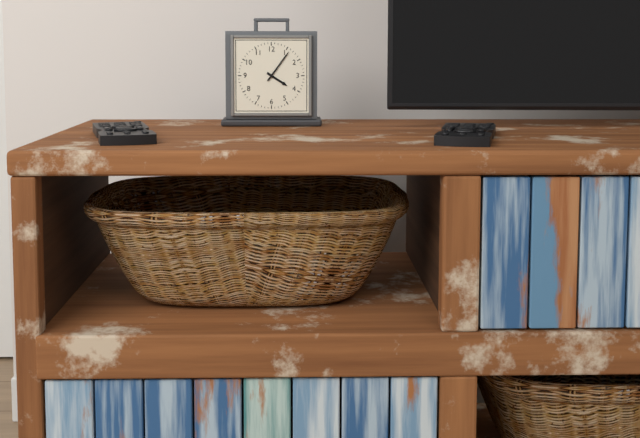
4:06
